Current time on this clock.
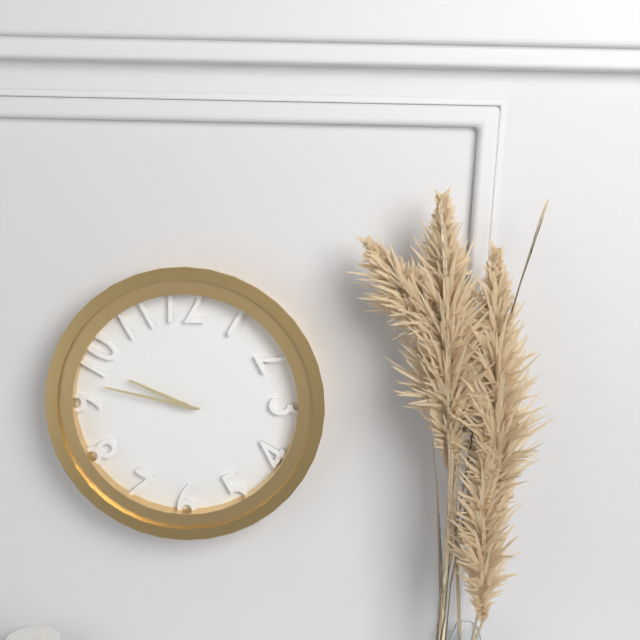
9:47
